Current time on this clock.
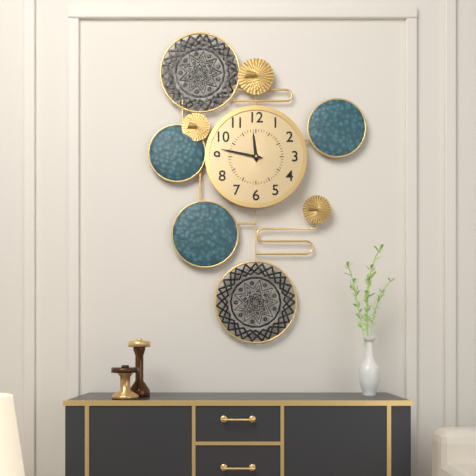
11:47
